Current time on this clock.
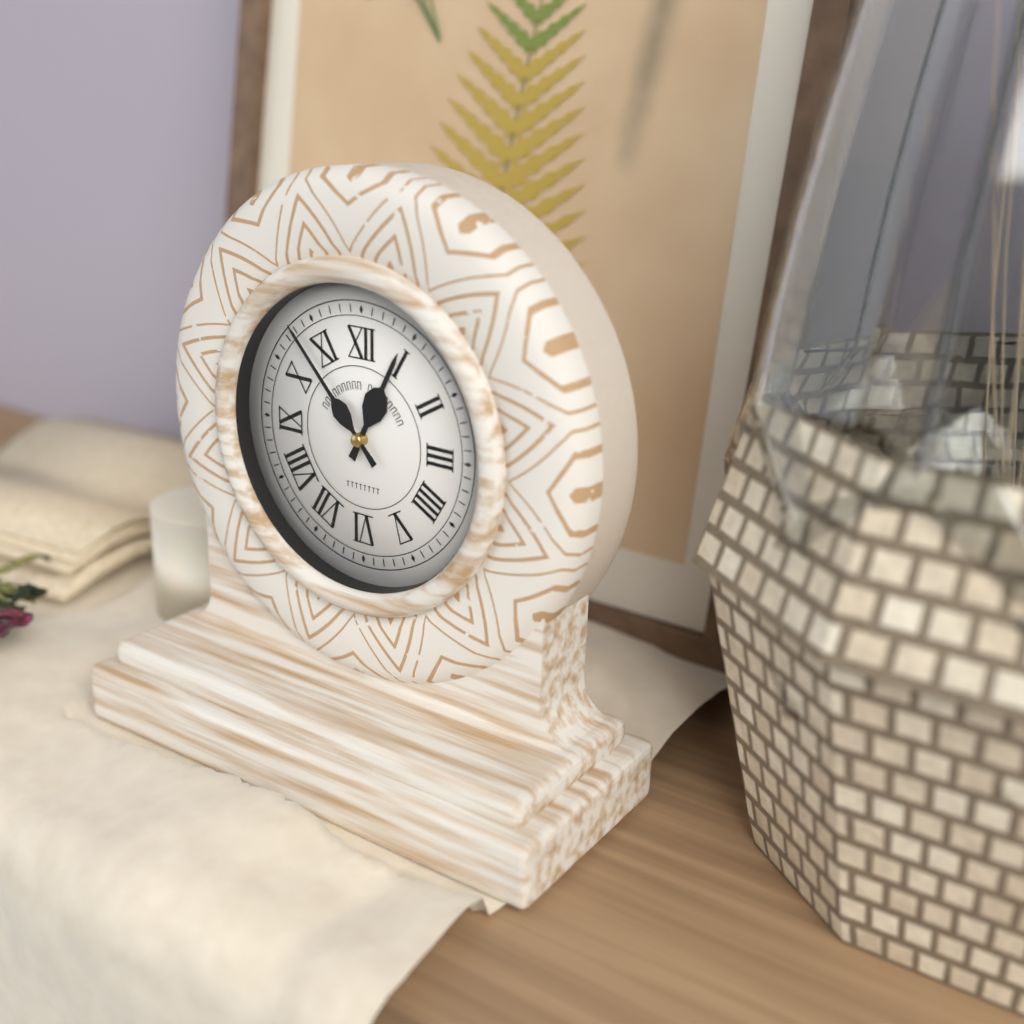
12:53
